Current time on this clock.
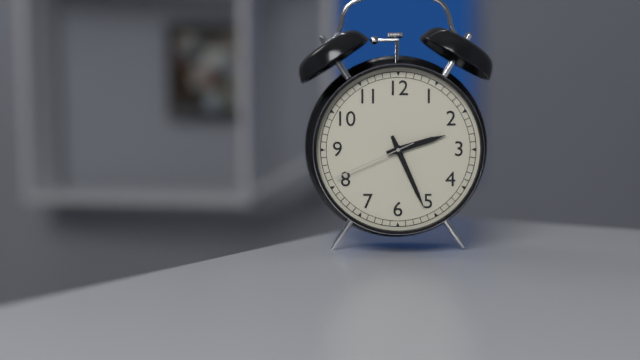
2:26:41
